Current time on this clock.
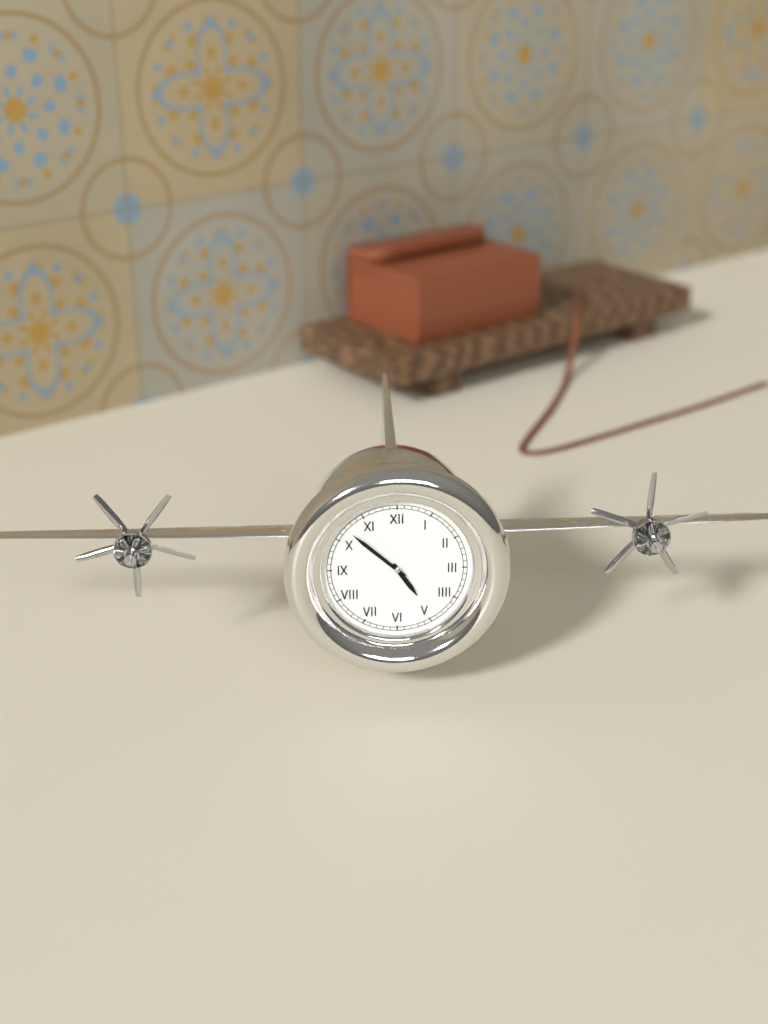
4:52
